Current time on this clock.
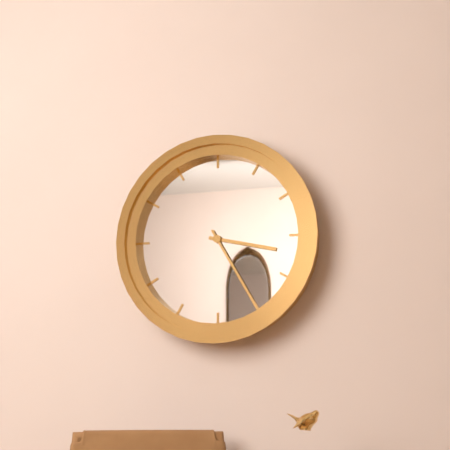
3:25
